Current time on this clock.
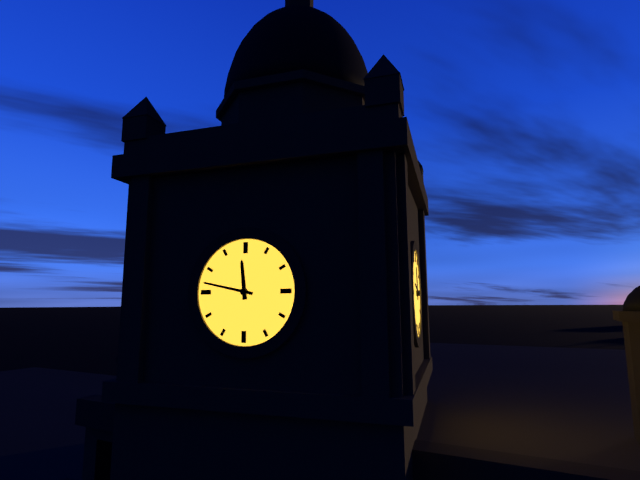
11:47
